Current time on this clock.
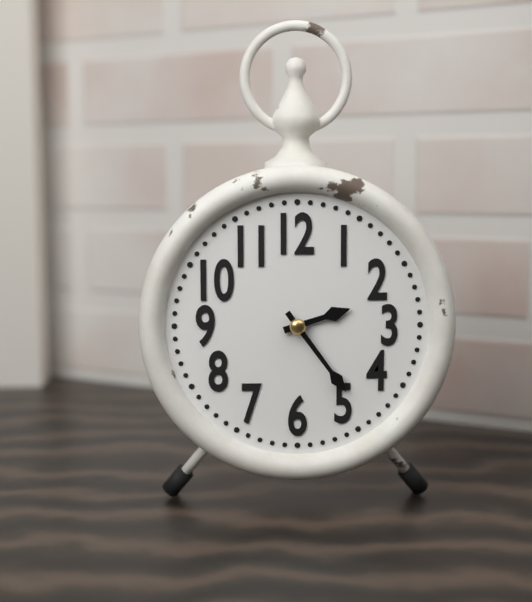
2:24
